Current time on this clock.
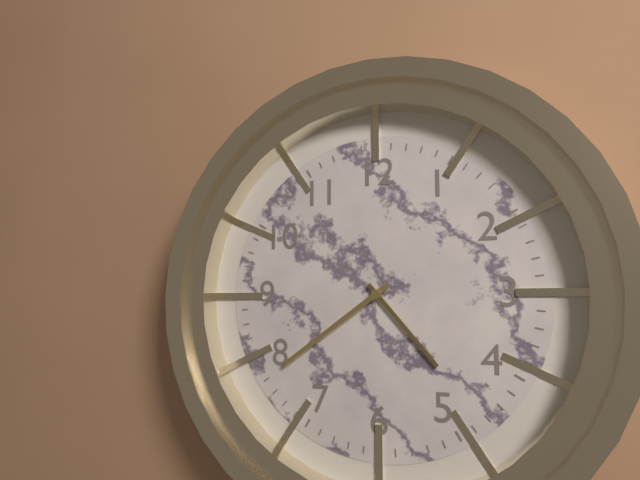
4:39
